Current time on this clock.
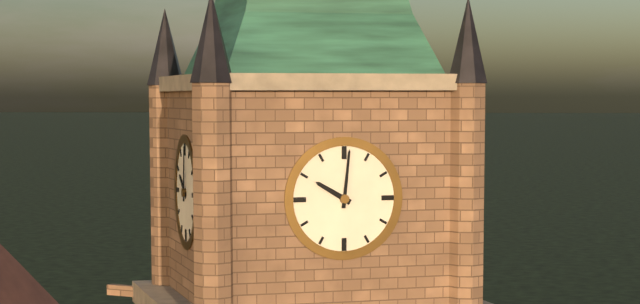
10:01
